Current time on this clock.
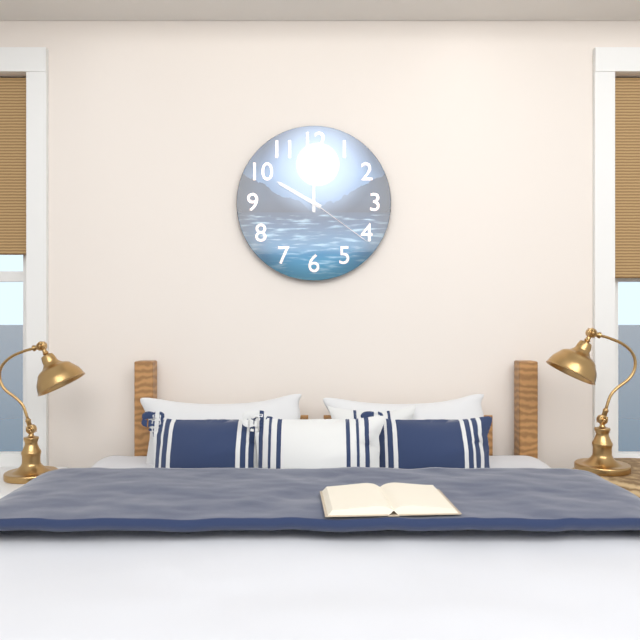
10:00:21
